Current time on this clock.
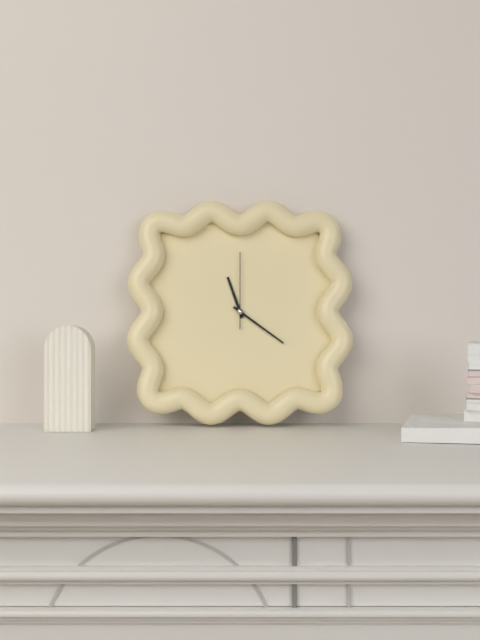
11:21:00
